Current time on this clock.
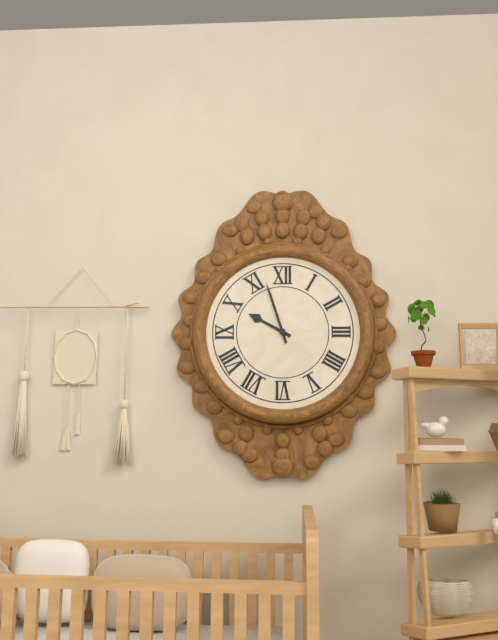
9:57
